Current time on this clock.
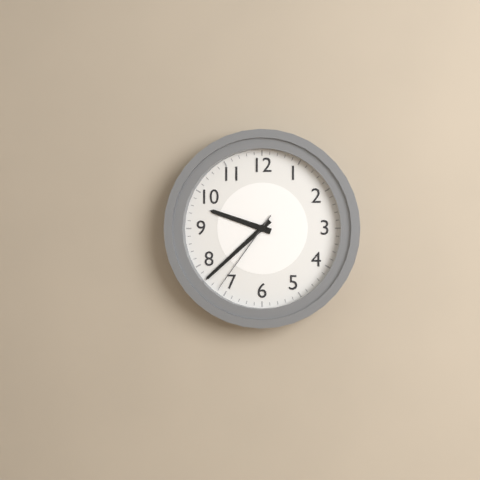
9:38:36
